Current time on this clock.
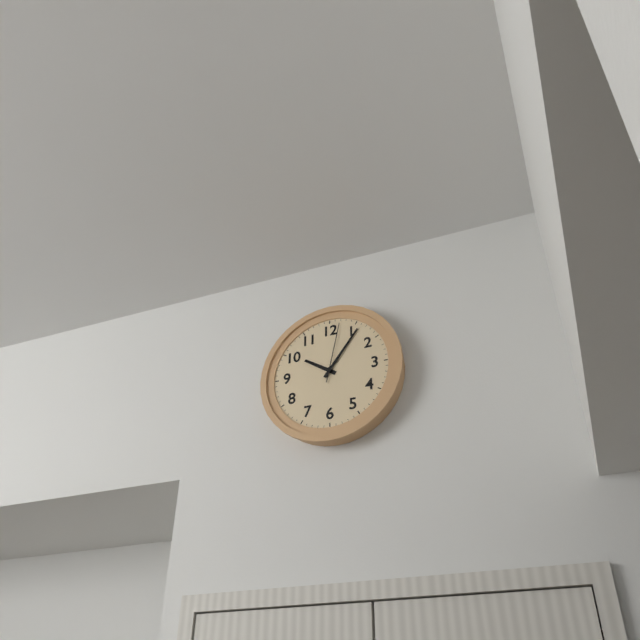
10:06:02
